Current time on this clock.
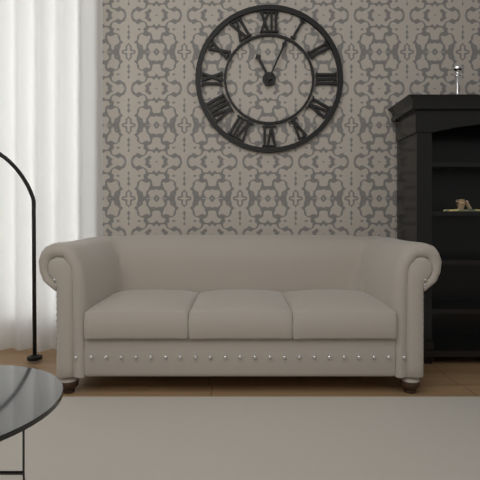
11:04
